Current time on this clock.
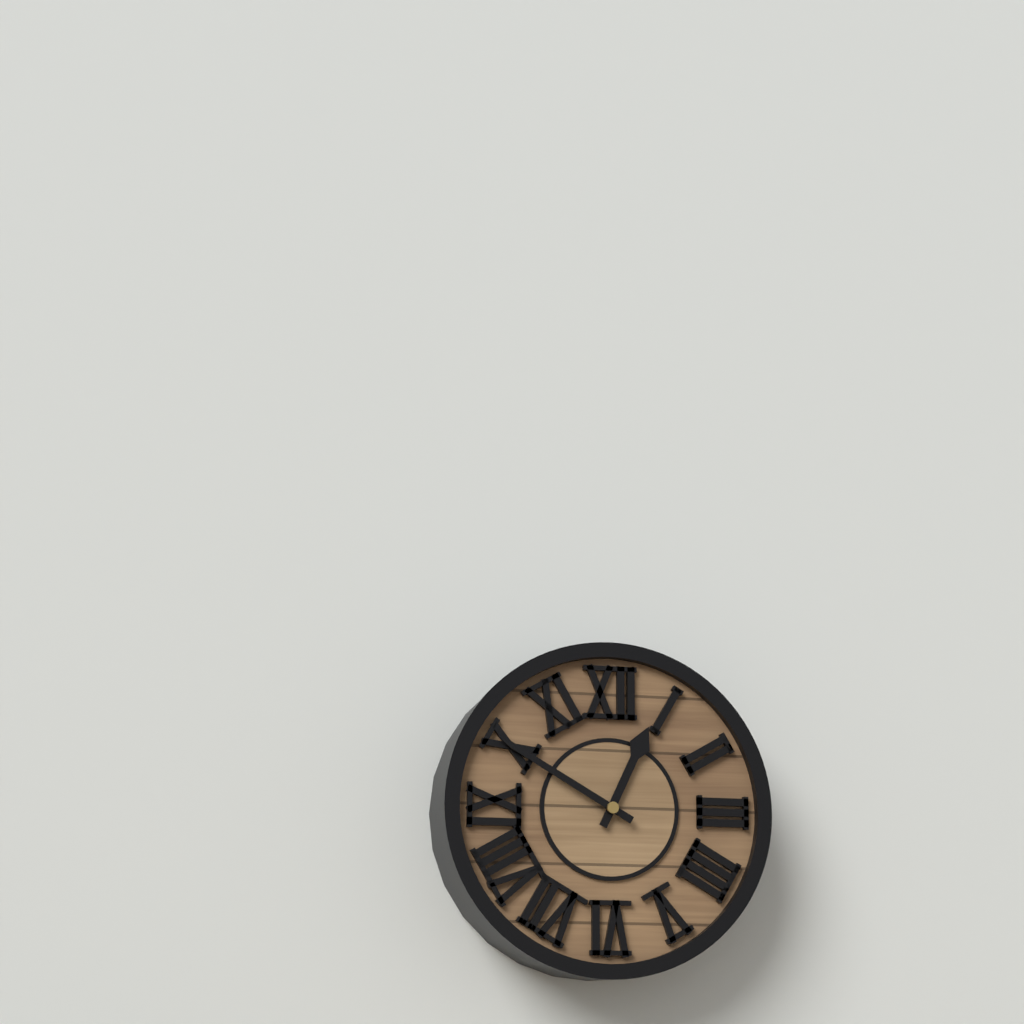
12:50
